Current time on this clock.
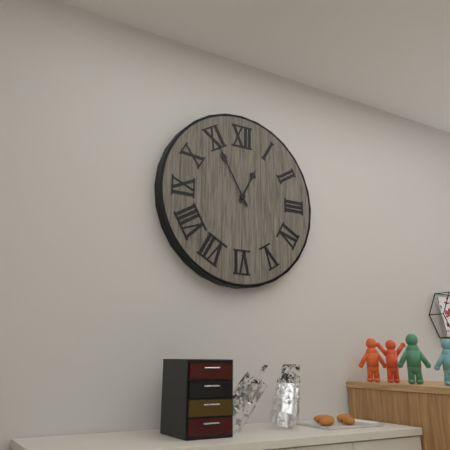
12:55
